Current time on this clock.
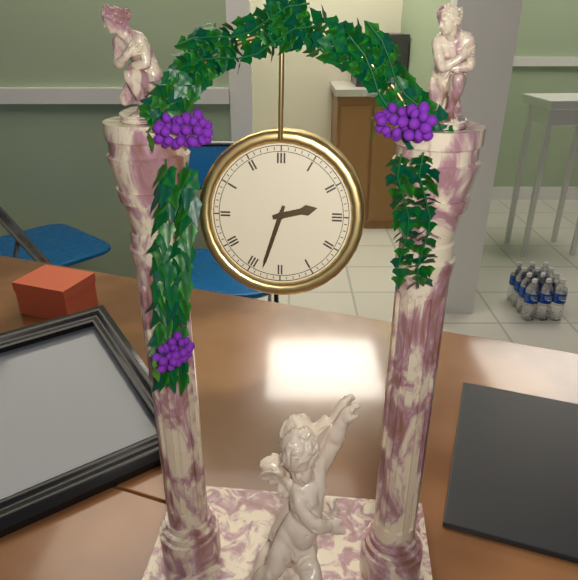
2:33
